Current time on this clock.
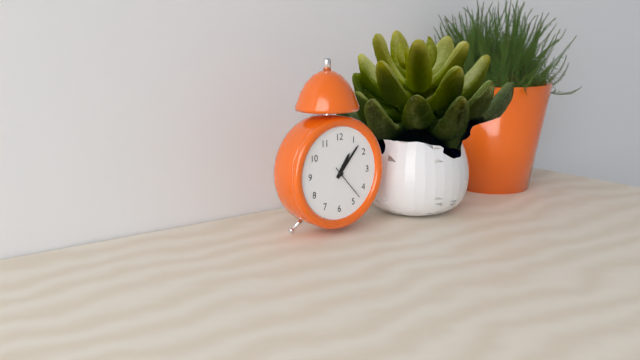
1:07
